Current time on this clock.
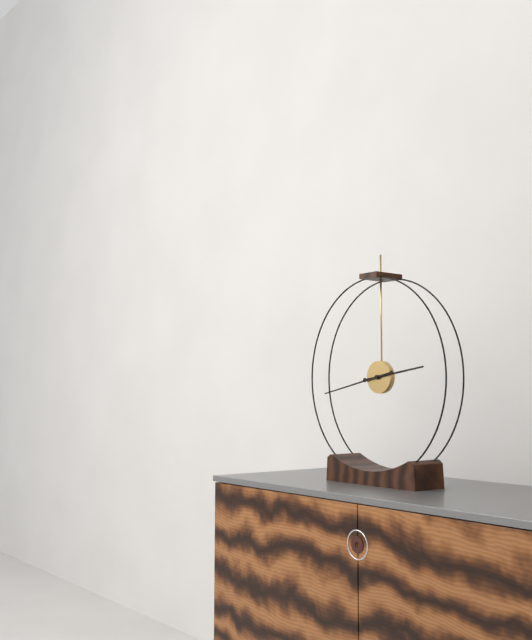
2:43
